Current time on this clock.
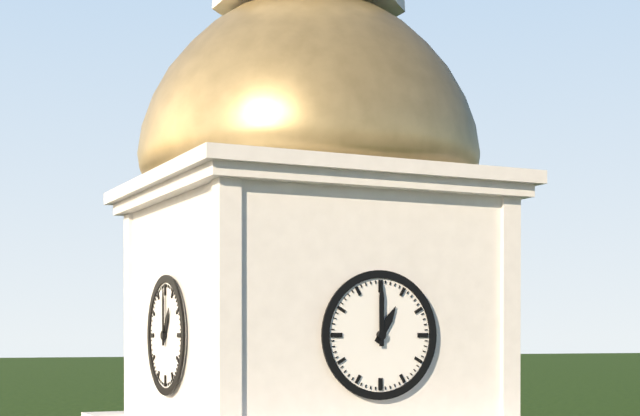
1:00
